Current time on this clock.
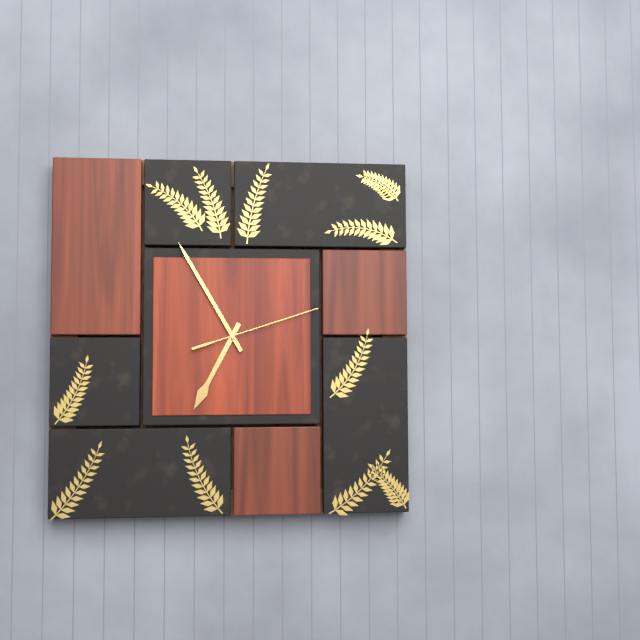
6:55:12
